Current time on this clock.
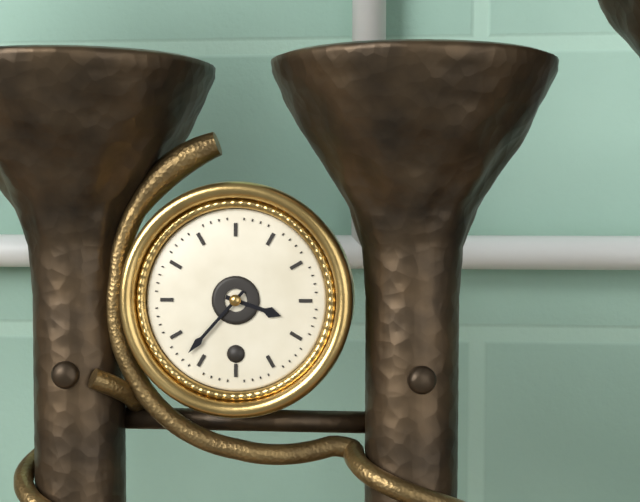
3:37
